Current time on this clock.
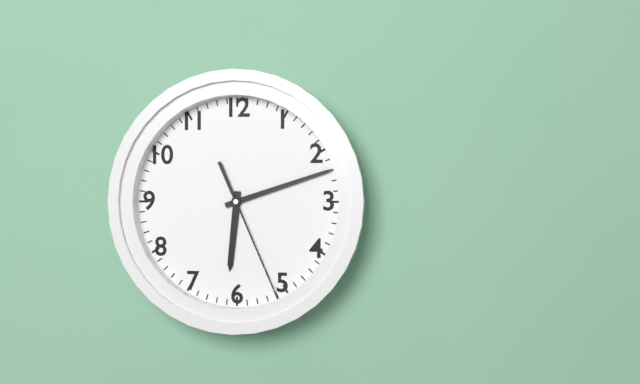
6:12:26
